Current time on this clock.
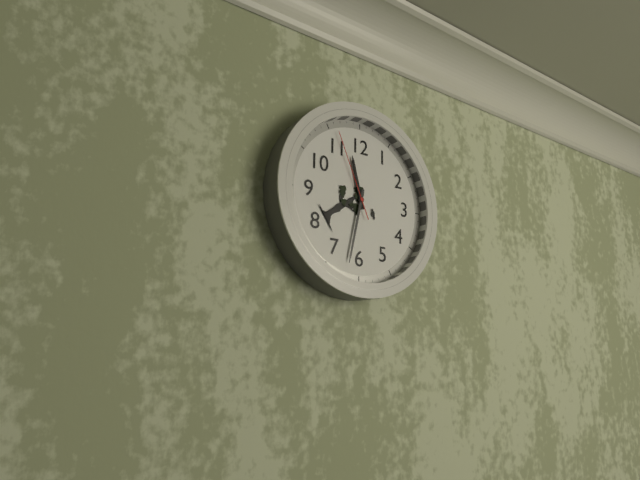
11:32:56
